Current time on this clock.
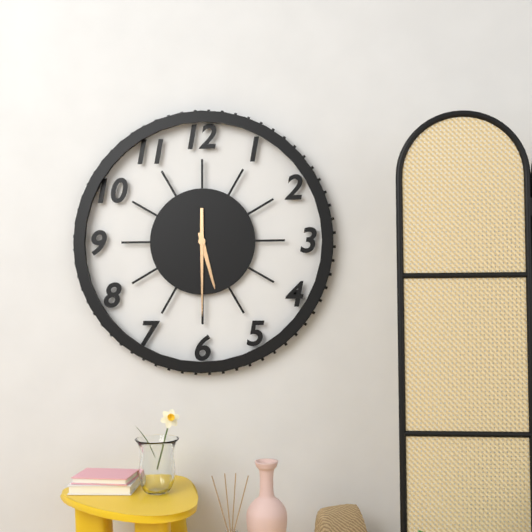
5:30
